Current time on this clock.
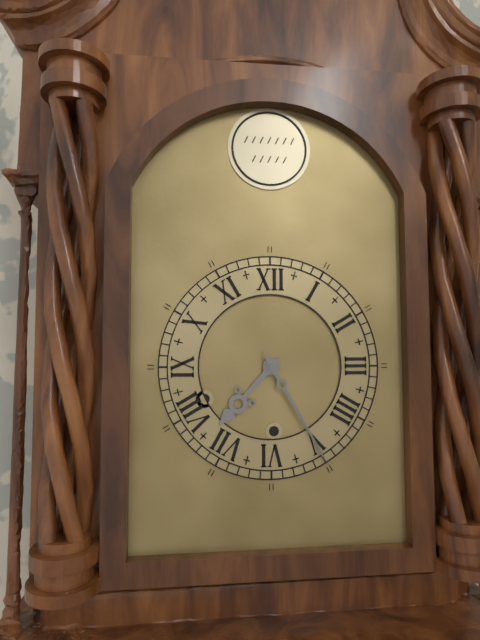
7:25
